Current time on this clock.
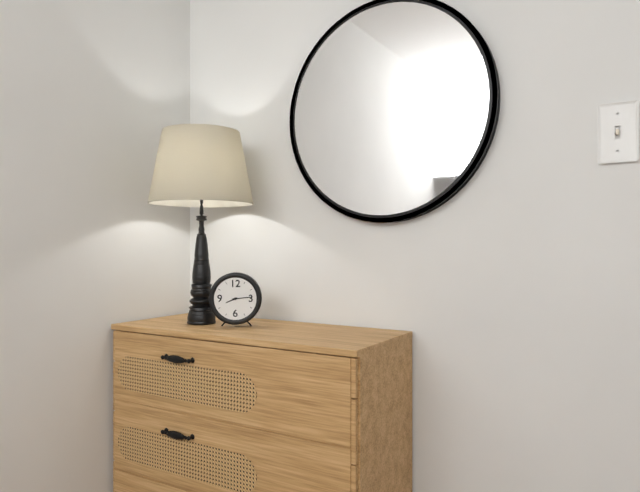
8:14
